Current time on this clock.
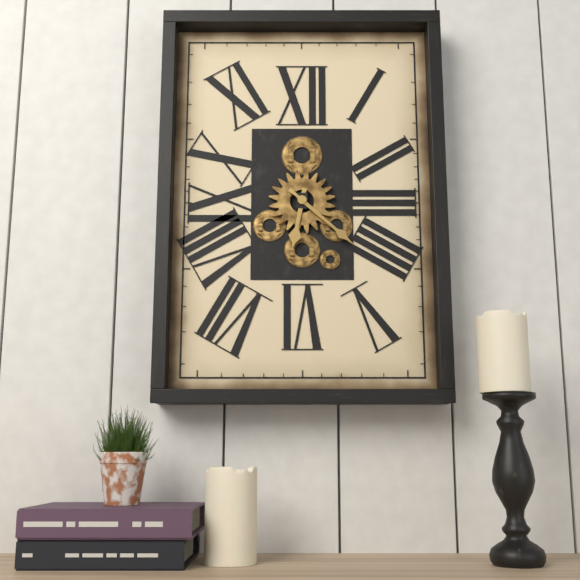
6:22
